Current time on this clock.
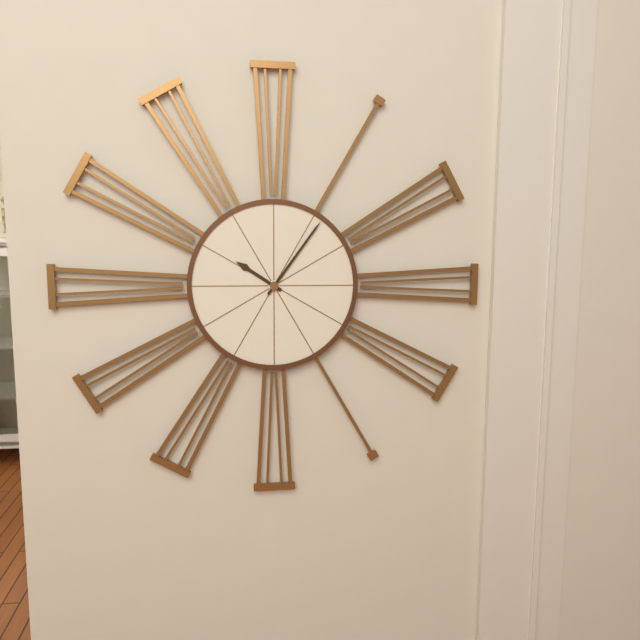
10:06
